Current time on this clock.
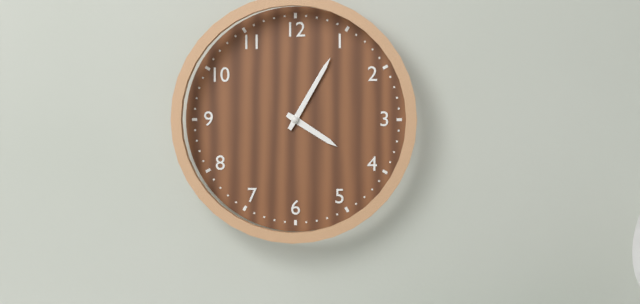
4:05
